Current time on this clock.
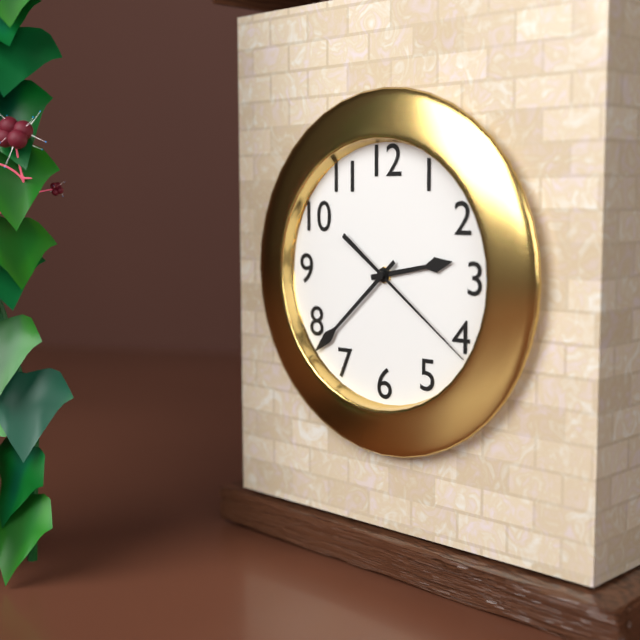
2:38:21
